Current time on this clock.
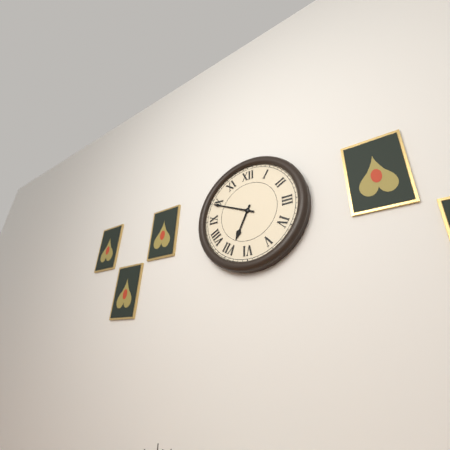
6:49
